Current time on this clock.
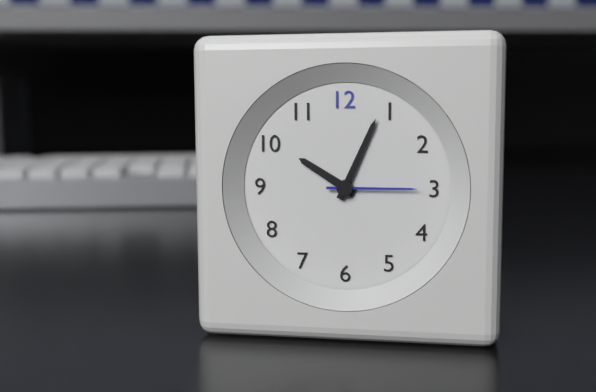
10:04:15
